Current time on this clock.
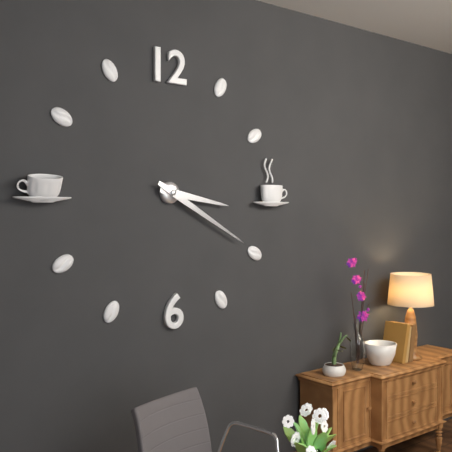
3:20
